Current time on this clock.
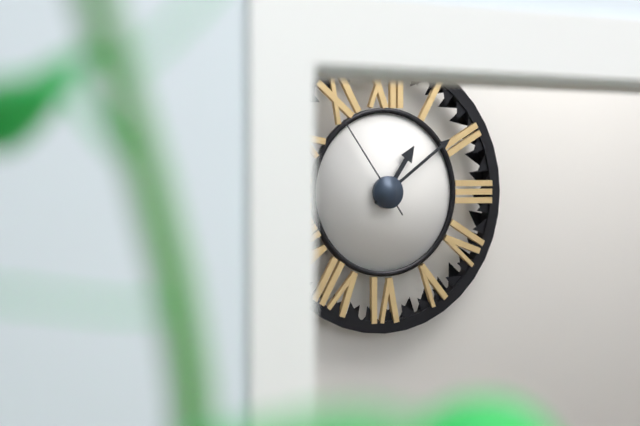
1:09:54
